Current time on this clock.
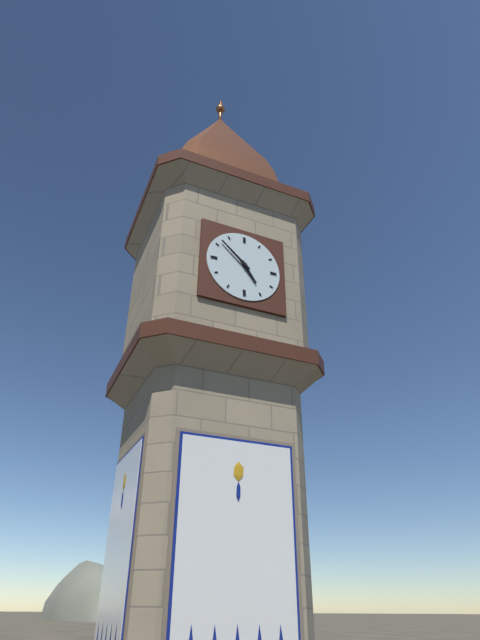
4:52
